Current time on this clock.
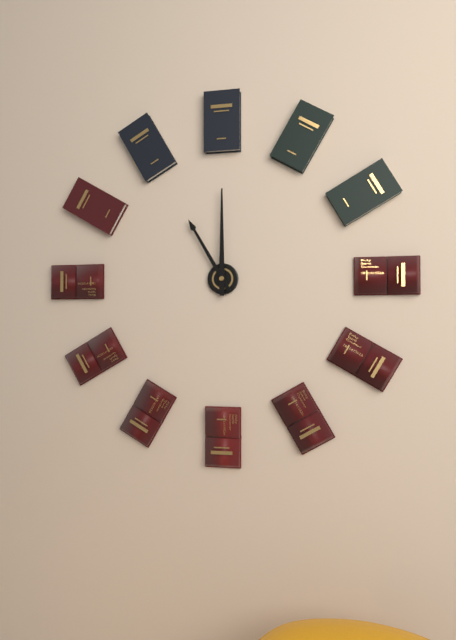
11:00
